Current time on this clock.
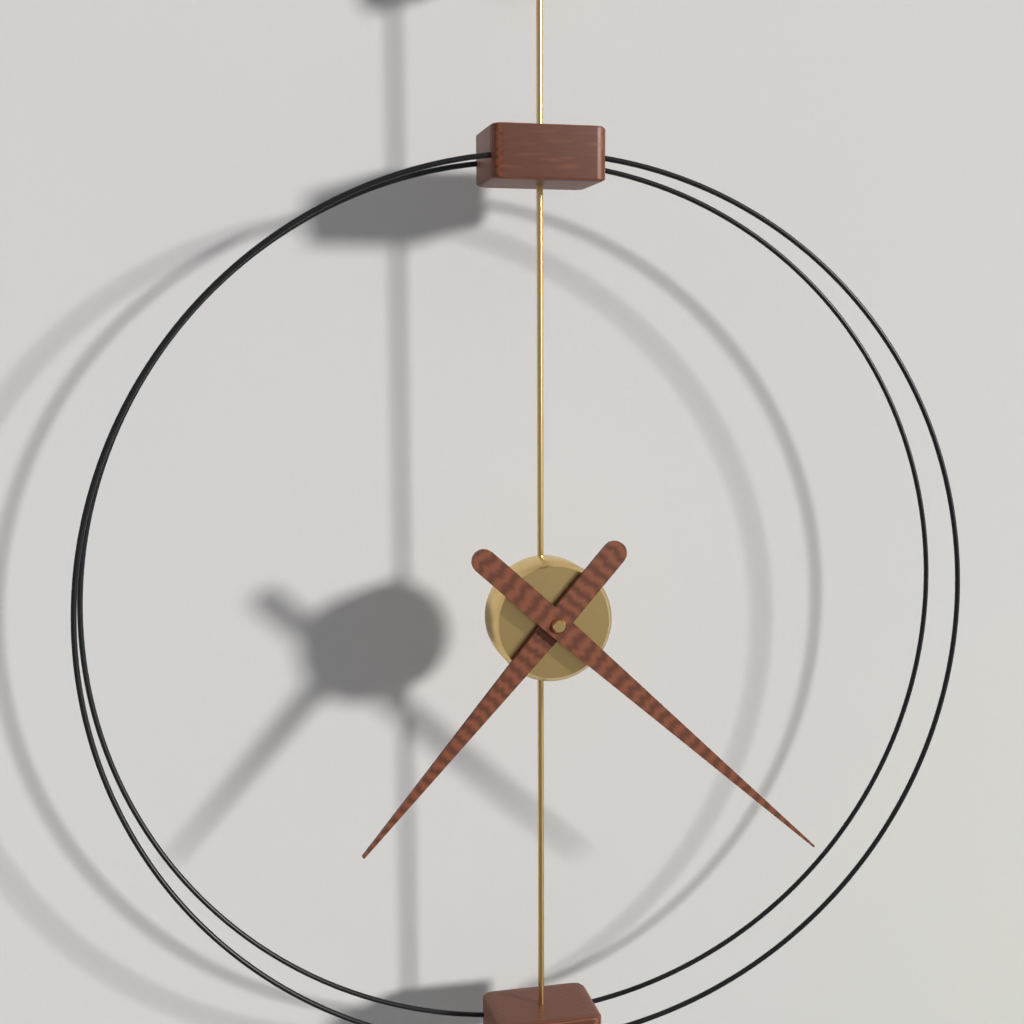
7:22
